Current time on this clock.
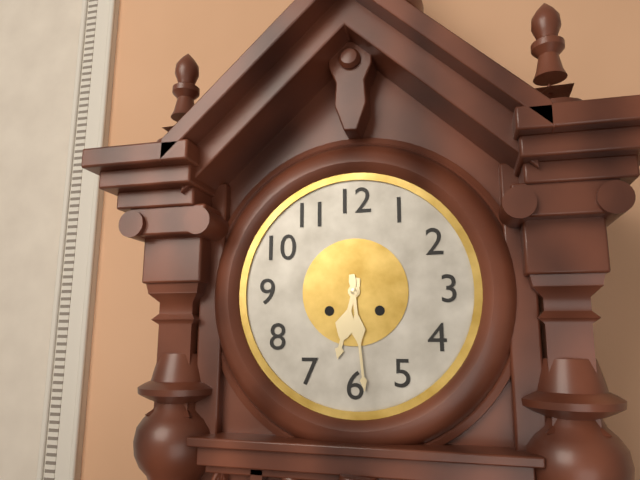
6:29
